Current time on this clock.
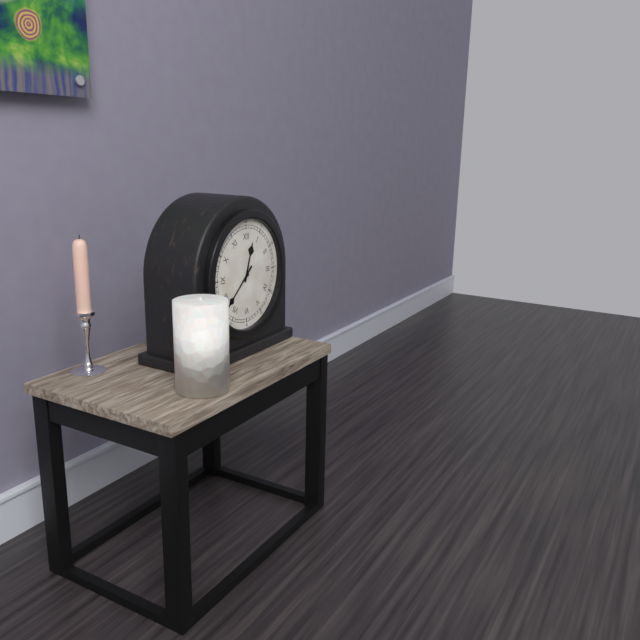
12:38
